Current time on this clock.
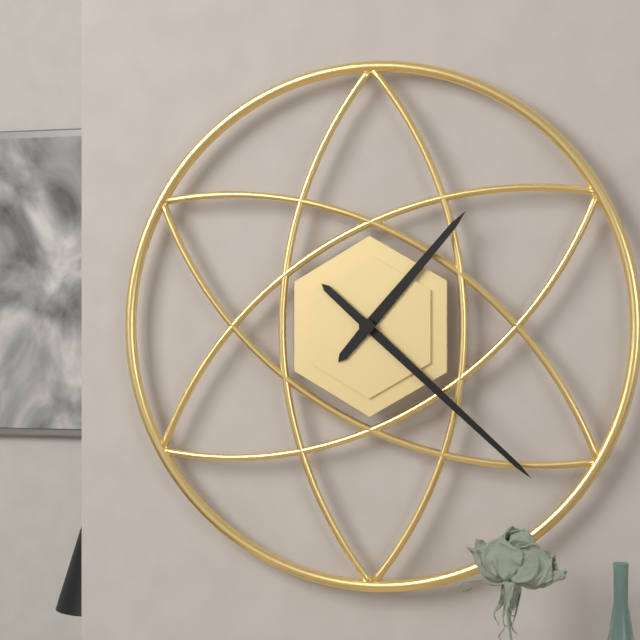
1:22
